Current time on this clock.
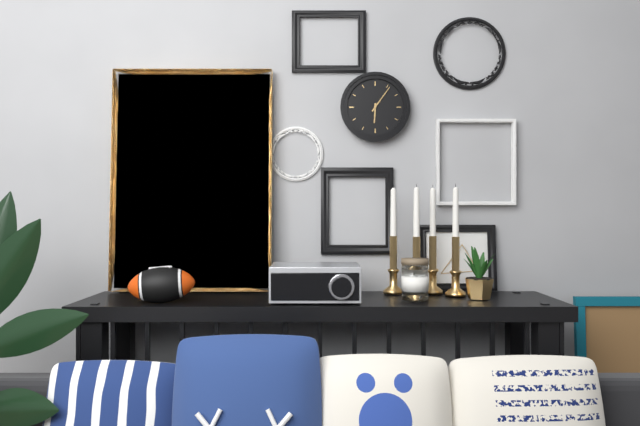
6:06
